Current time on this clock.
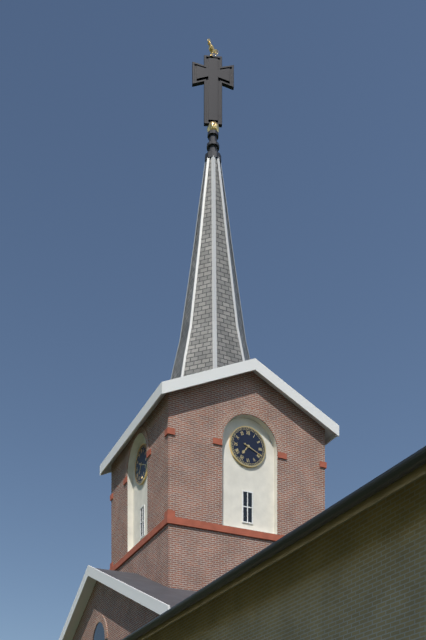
7:19
